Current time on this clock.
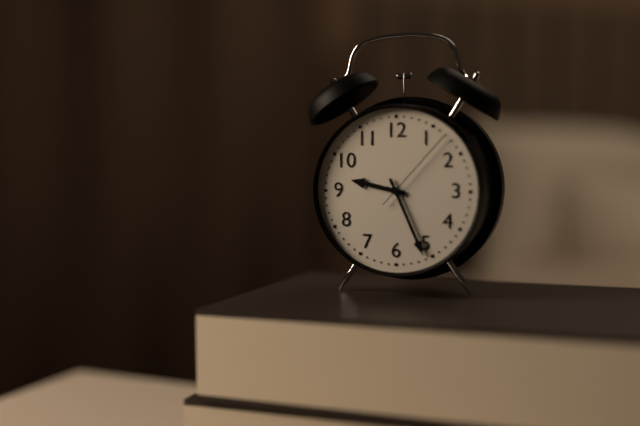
9:26:07
